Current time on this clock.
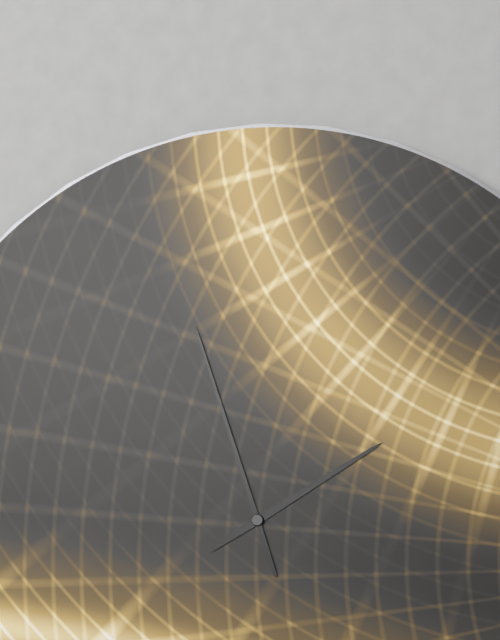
1:57
